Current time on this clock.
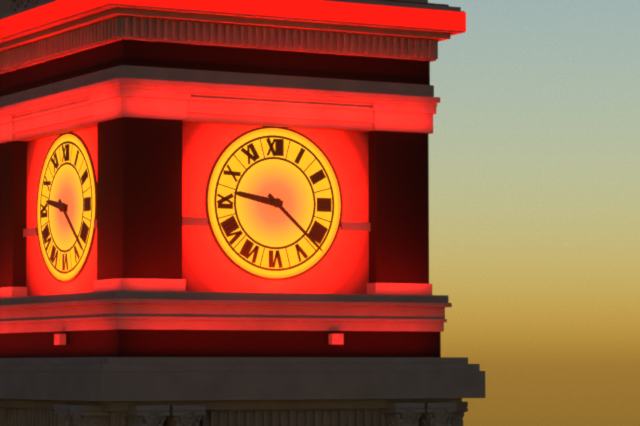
9:22
